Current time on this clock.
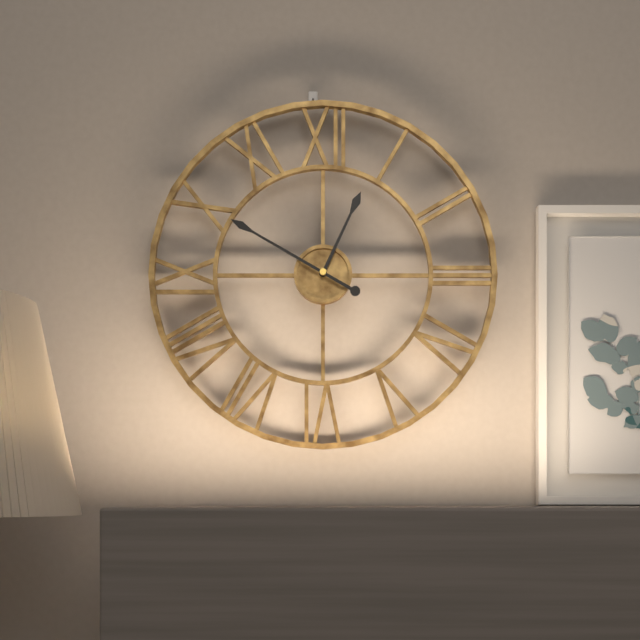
12:50
